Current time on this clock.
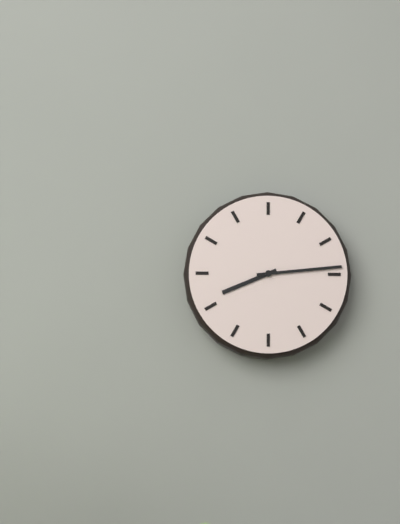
8:14
